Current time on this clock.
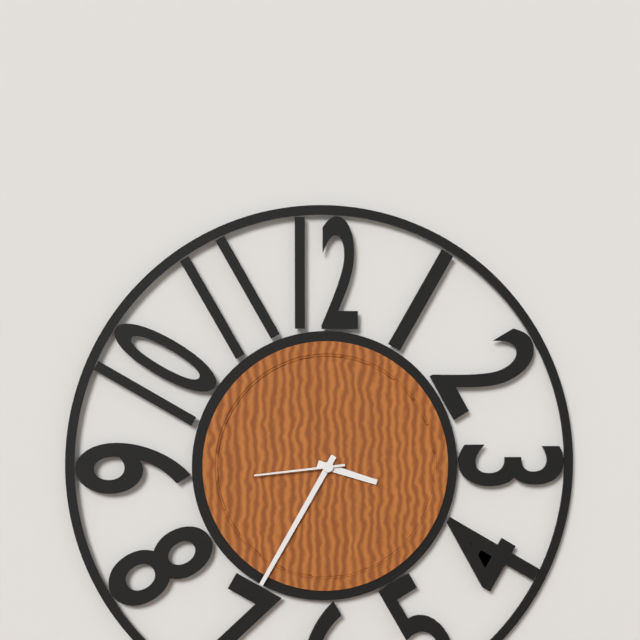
3:35:44
